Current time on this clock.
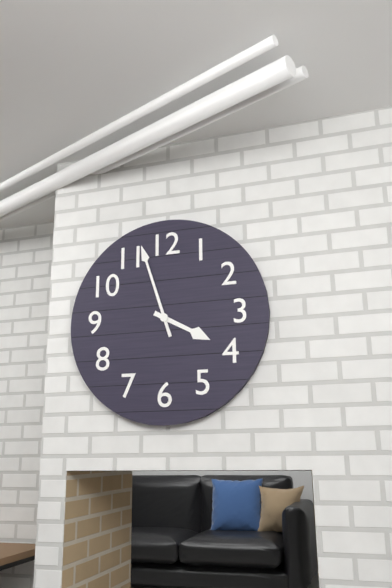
3:57
